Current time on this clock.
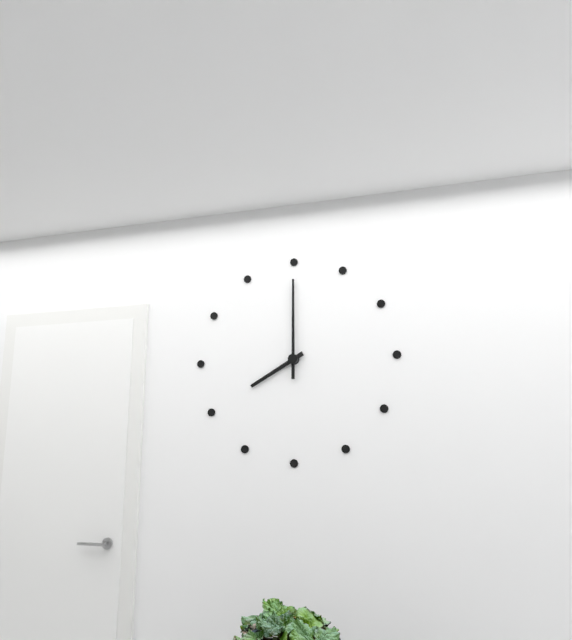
8:00
